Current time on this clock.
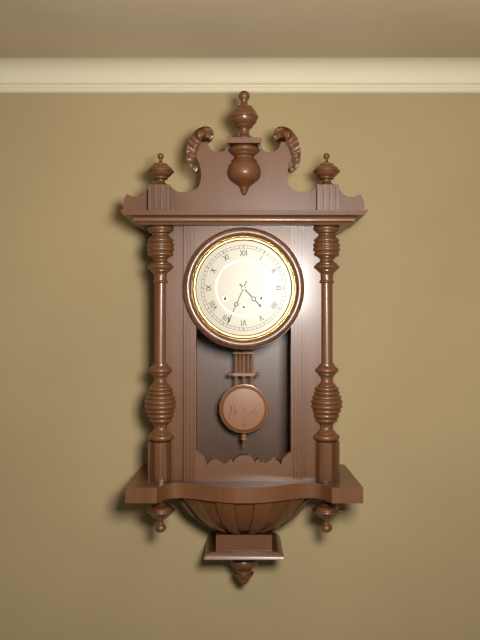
4:34
